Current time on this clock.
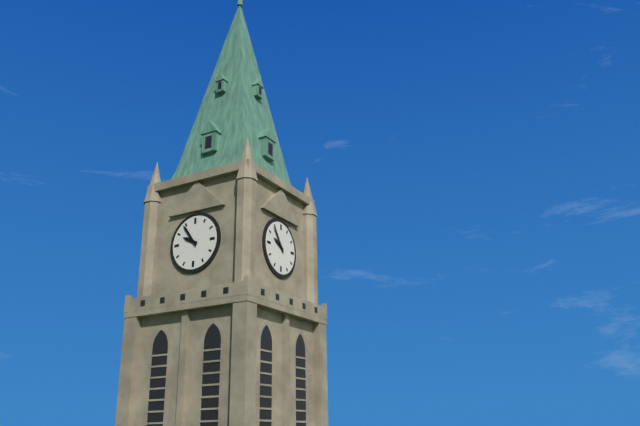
9:54
